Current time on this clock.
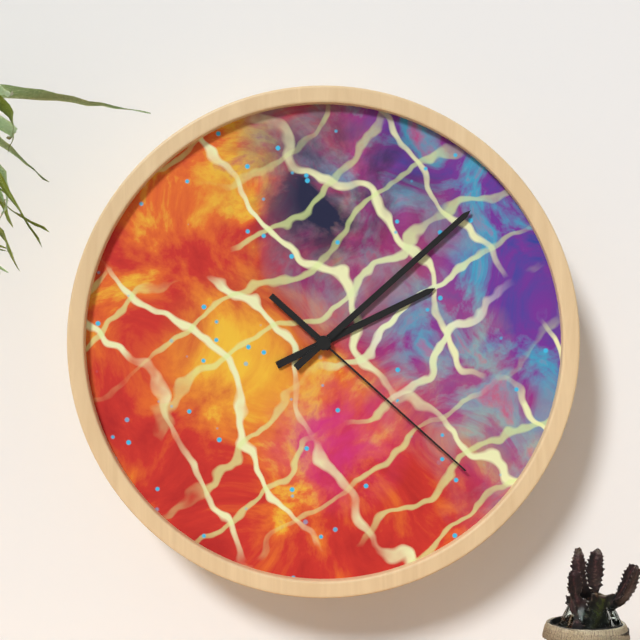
2:08:22
